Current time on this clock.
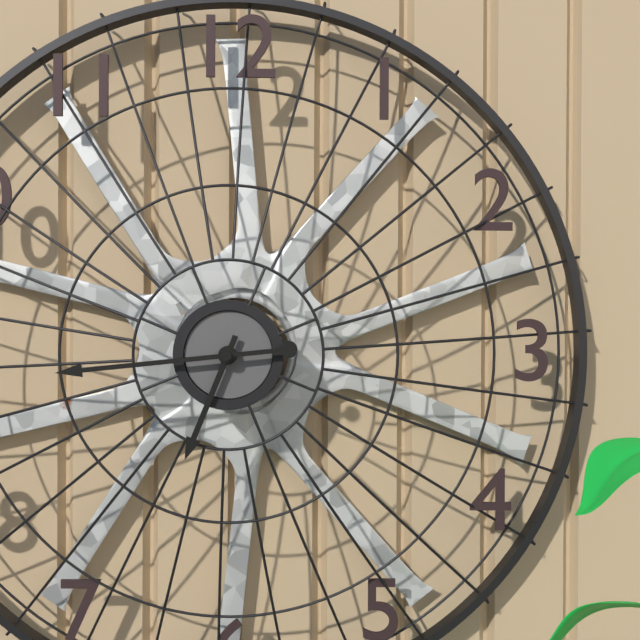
6:44
